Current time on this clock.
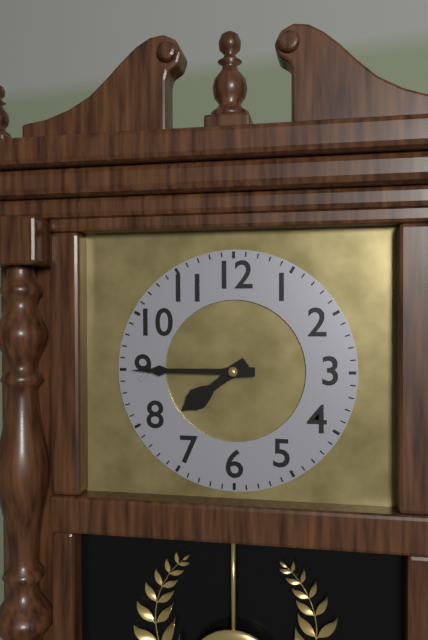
7:45
